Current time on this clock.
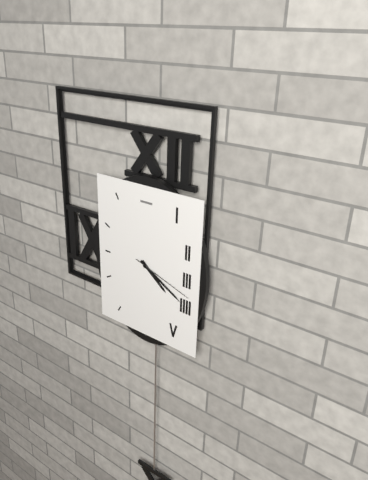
4:20:18
